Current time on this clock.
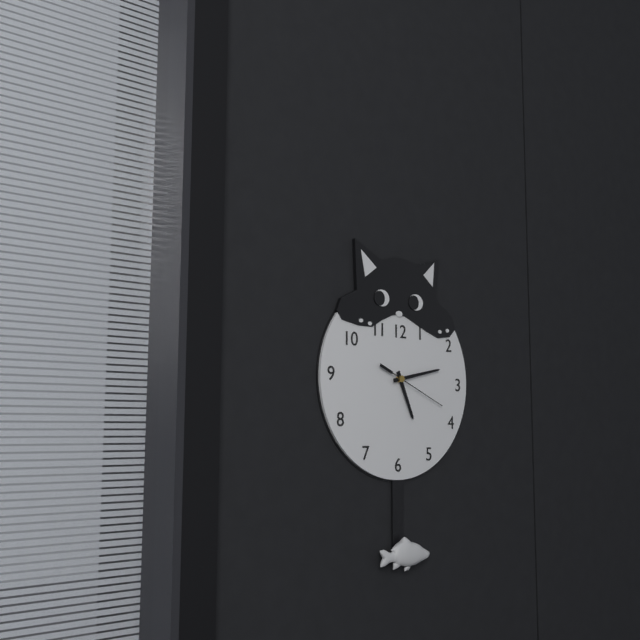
5:13:19
